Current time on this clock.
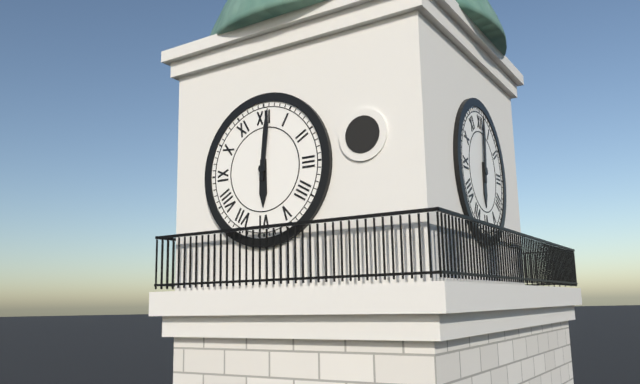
6:01
